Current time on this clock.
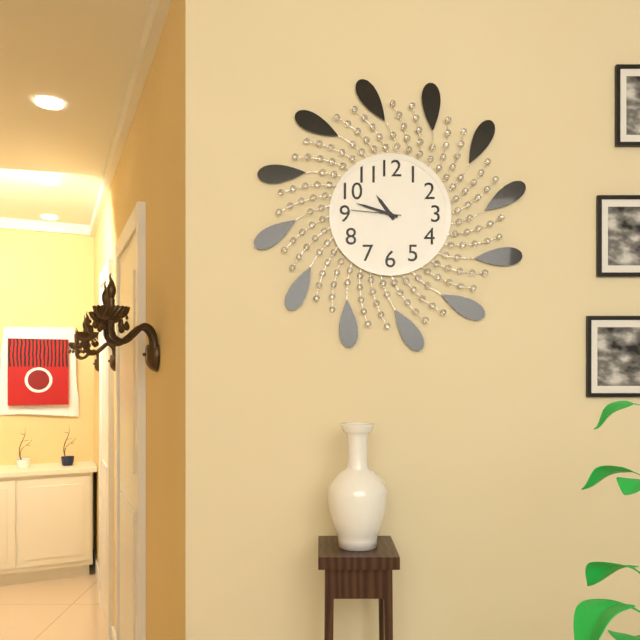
10:48:46
